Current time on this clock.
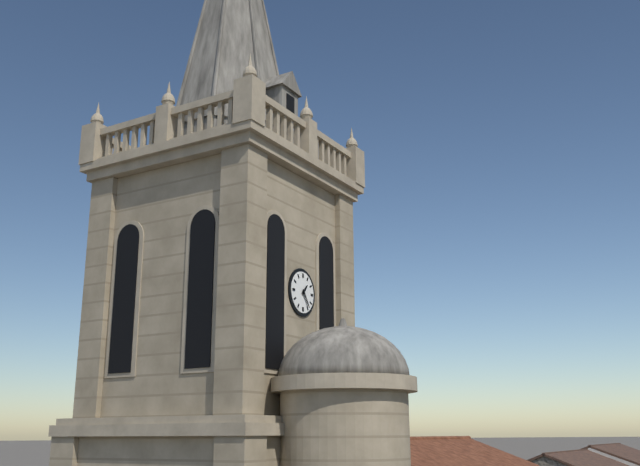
1:24
